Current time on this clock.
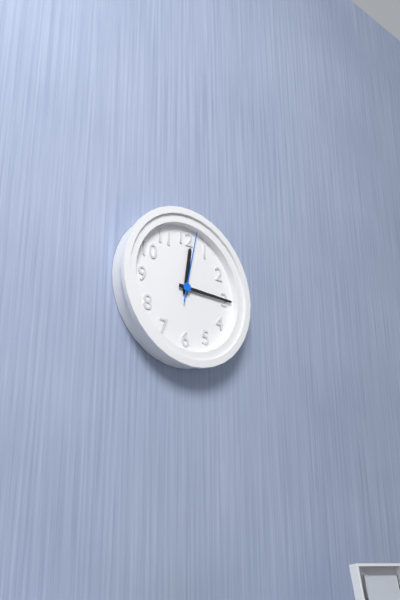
12:15:02
